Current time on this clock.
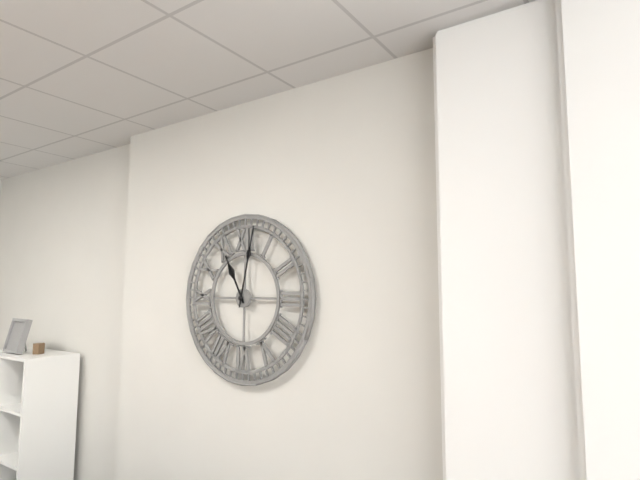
11:02
